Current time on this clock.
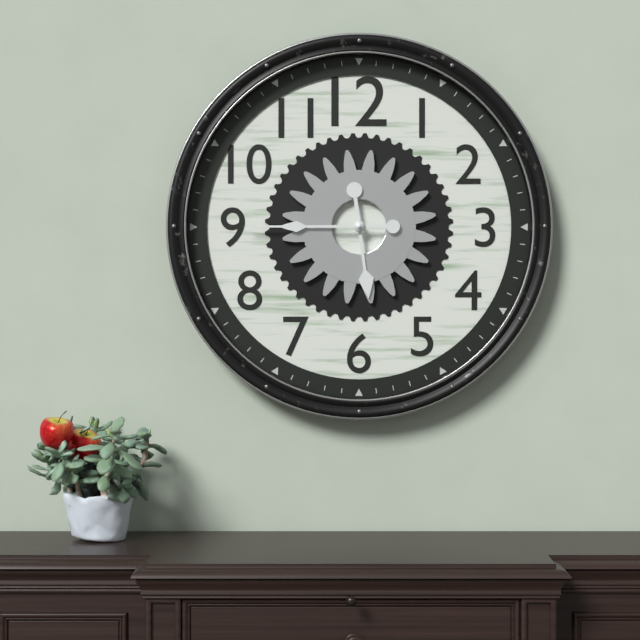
5:45
